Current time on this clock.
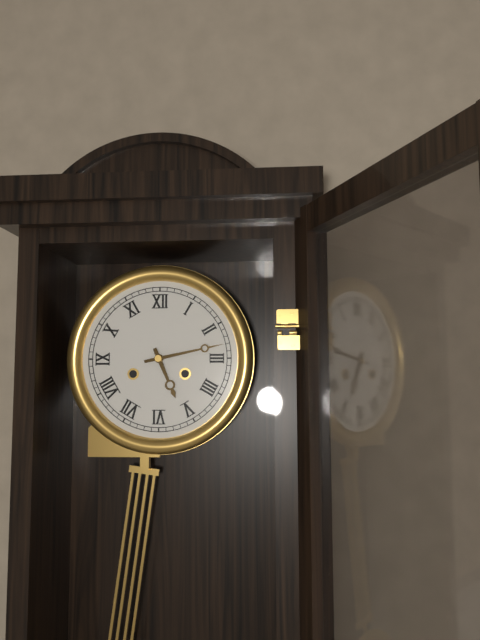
5:13
